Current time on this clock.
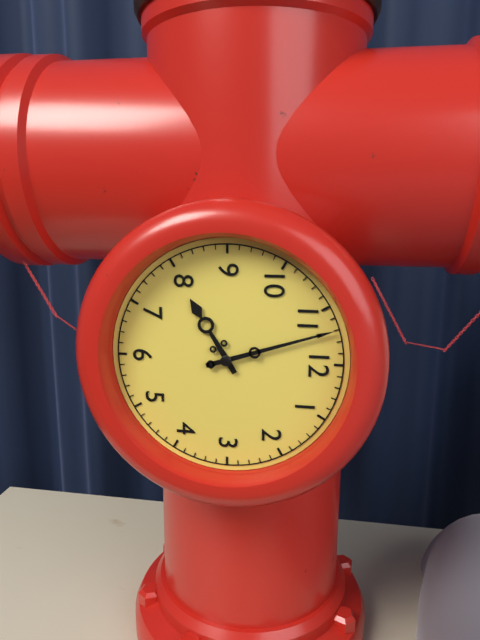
7:57
